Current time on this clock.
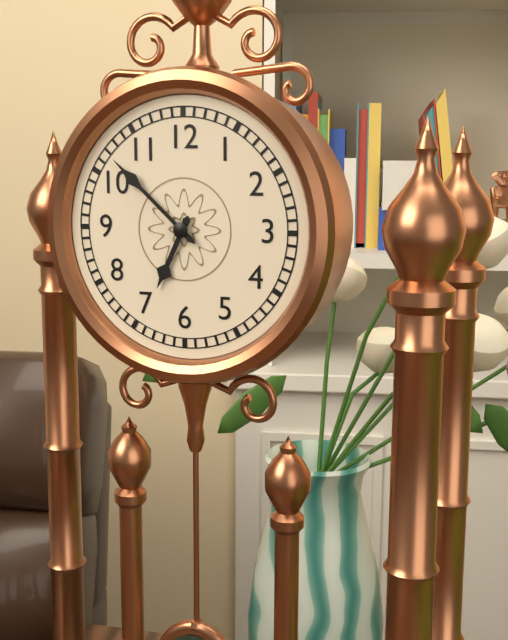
6:52
